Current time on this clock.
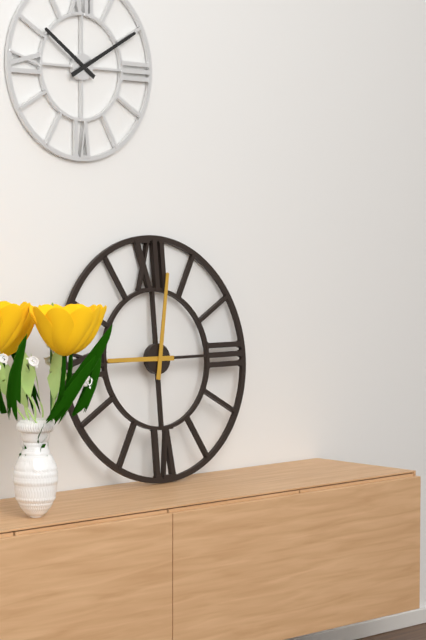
9:02
